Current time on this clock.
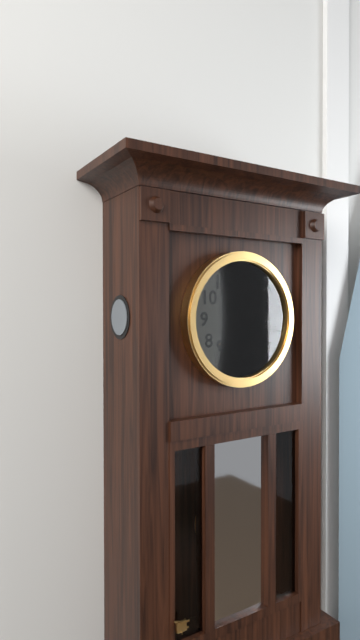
4:57
